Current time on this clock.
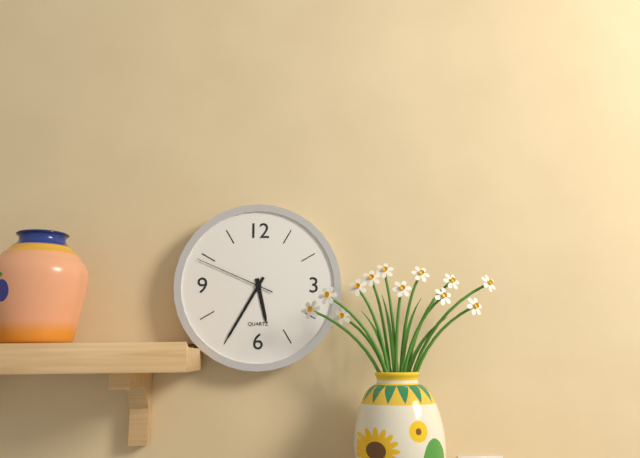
5:35:49
